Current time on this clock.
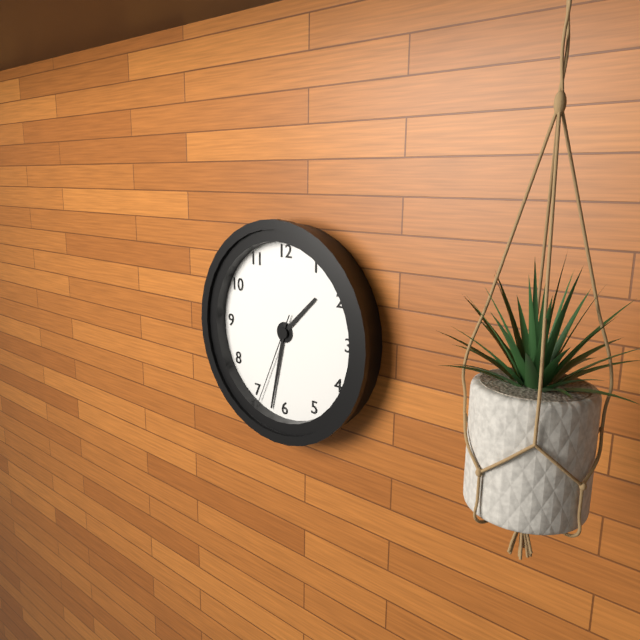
1:32:34
